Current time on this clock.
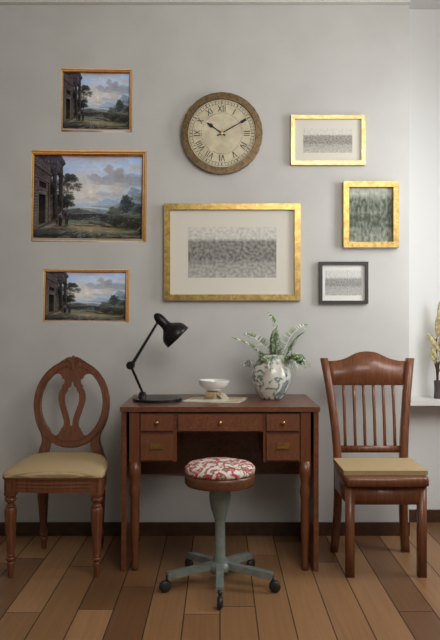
10:10
